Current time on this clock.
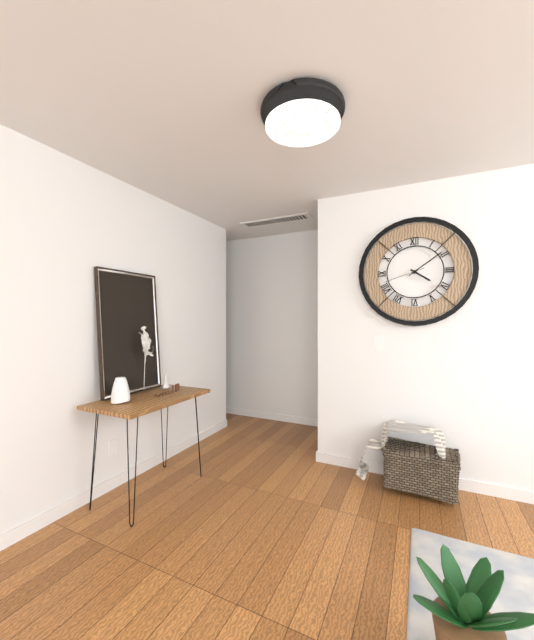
4:09
